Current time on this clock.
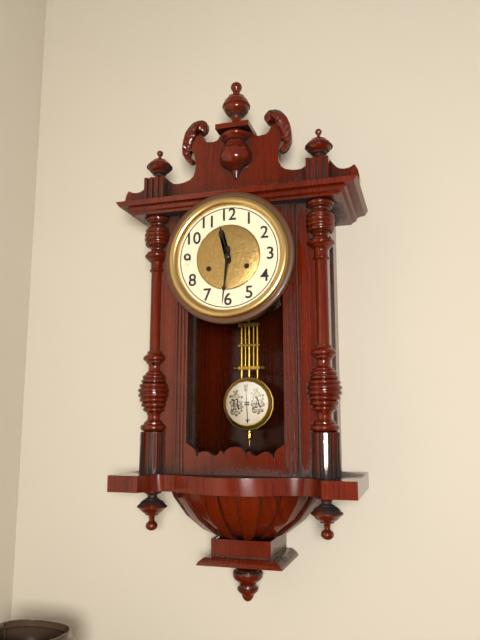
11:31
